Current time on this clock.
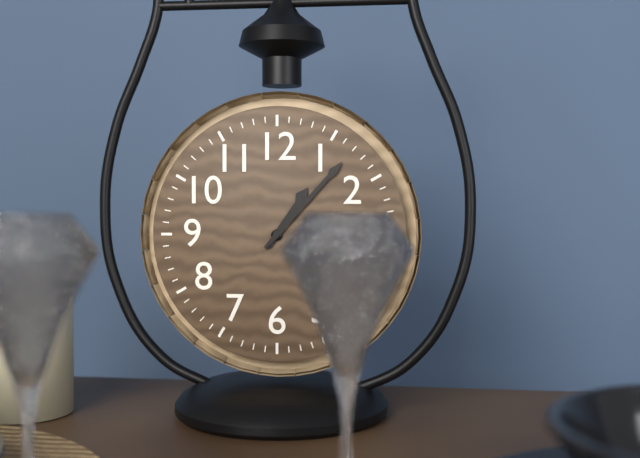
1:07
